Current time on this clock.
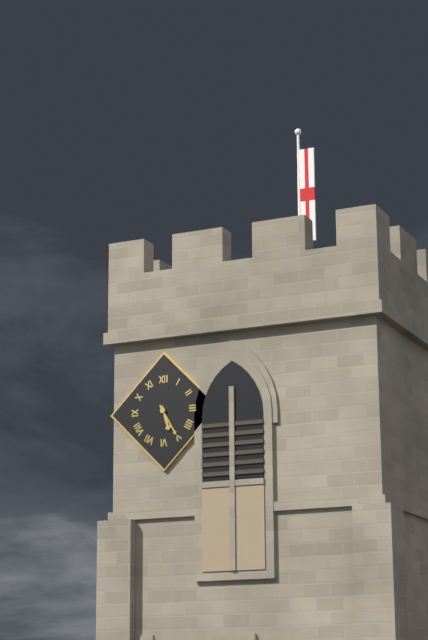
5:25
